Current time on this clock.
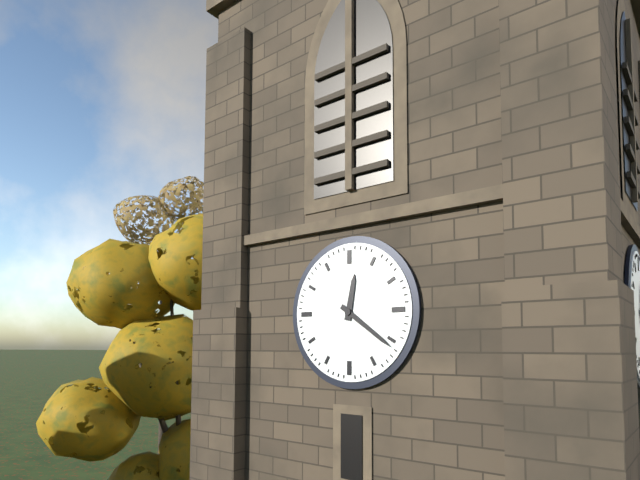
12:21
